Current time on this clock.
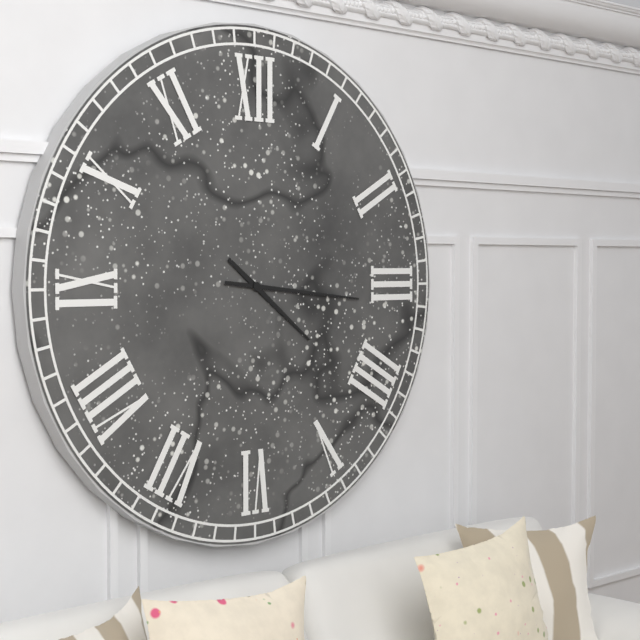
4:16
